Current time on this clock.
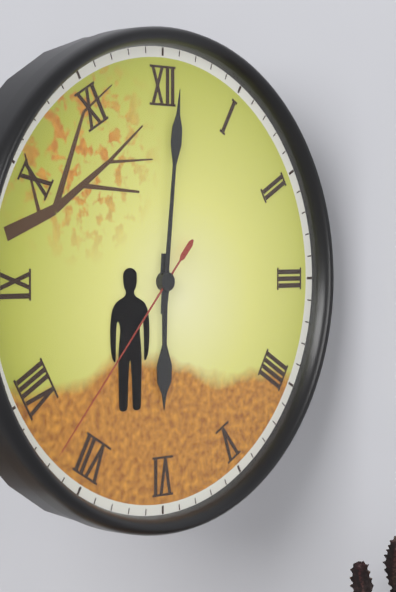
6:01:37
